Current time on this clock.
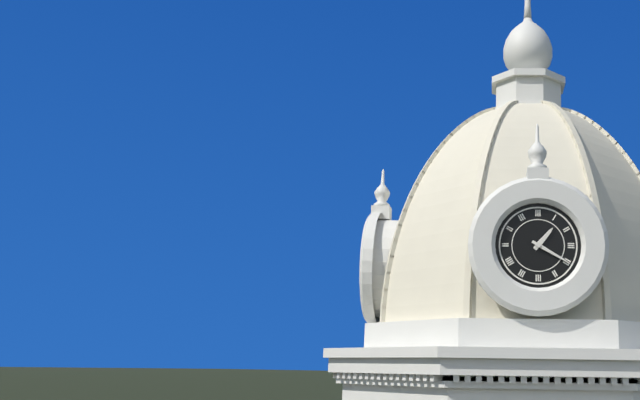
1:20
